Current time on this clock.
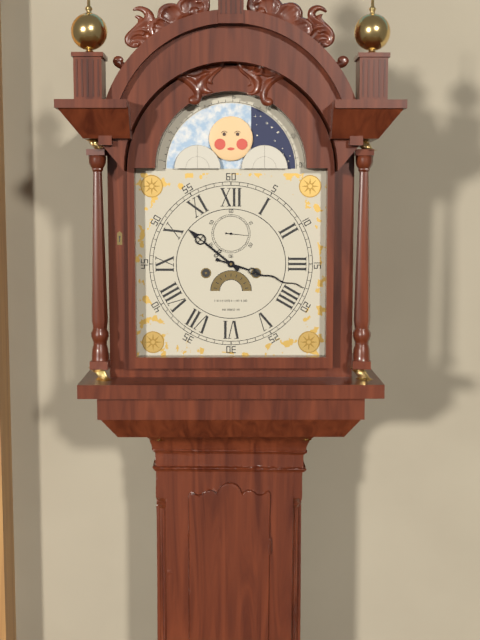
10:18
